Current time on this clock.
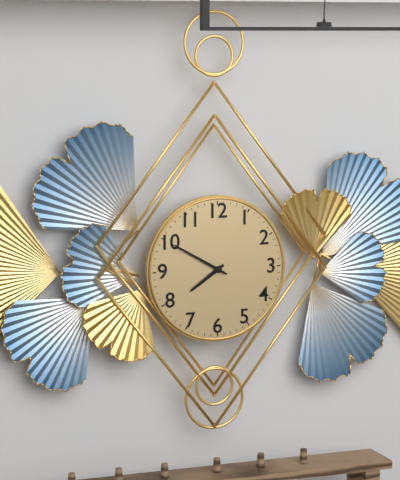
7:50
